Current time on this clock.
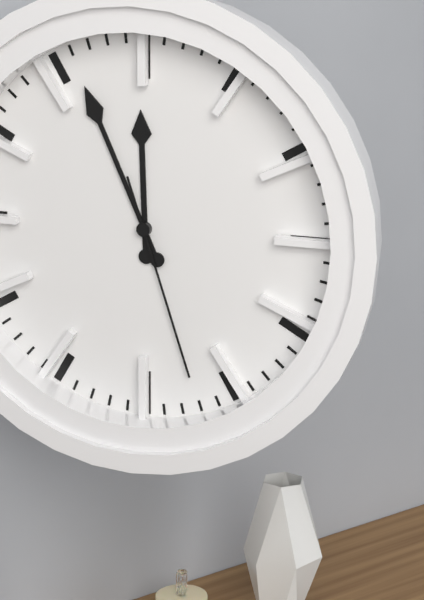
11:56:27
